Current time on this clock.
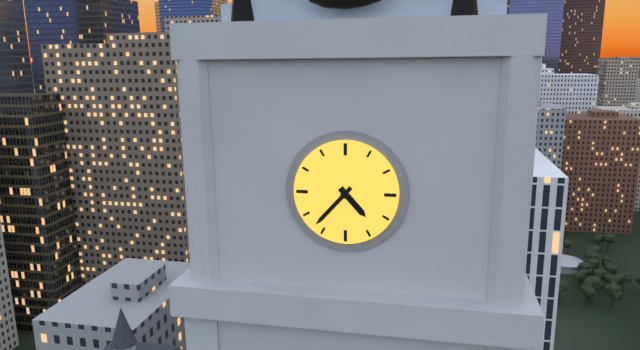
4:37
